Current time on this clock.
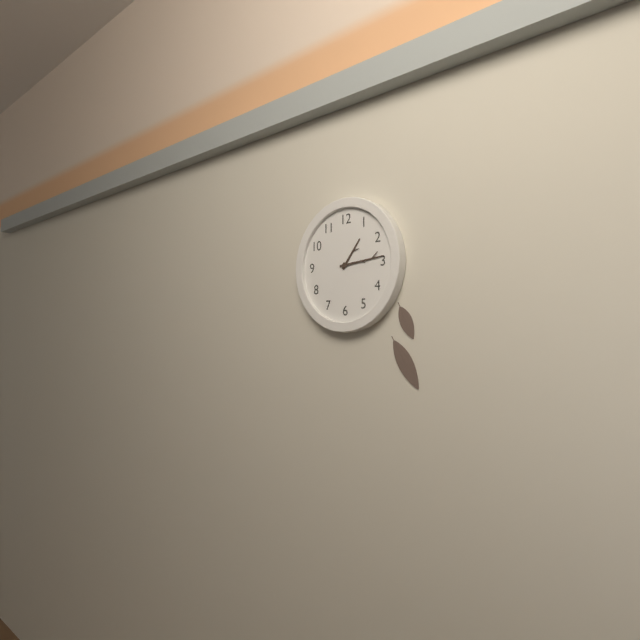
1:14
